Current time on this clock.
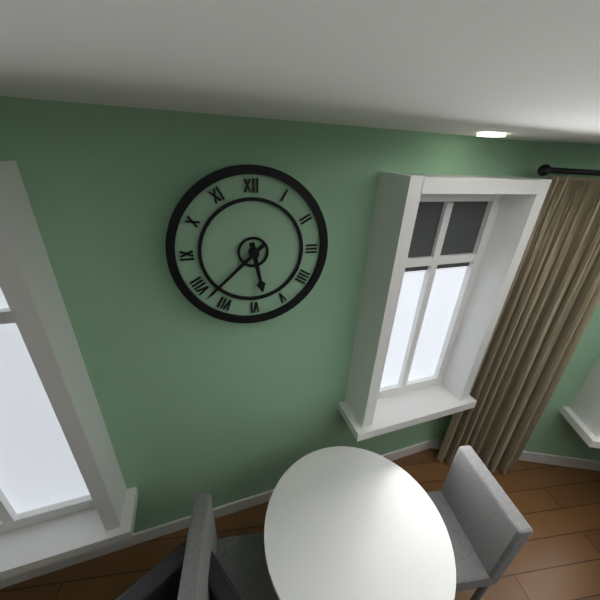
5:38
